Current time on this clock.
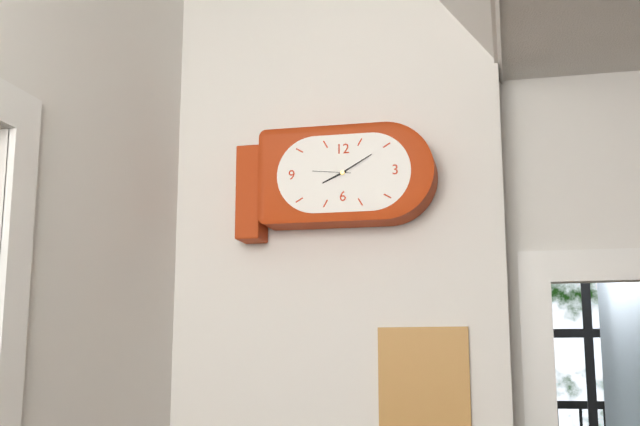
8:10
